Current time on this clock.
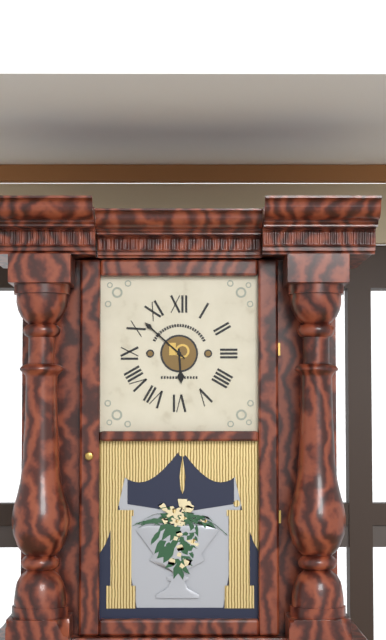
5:52
